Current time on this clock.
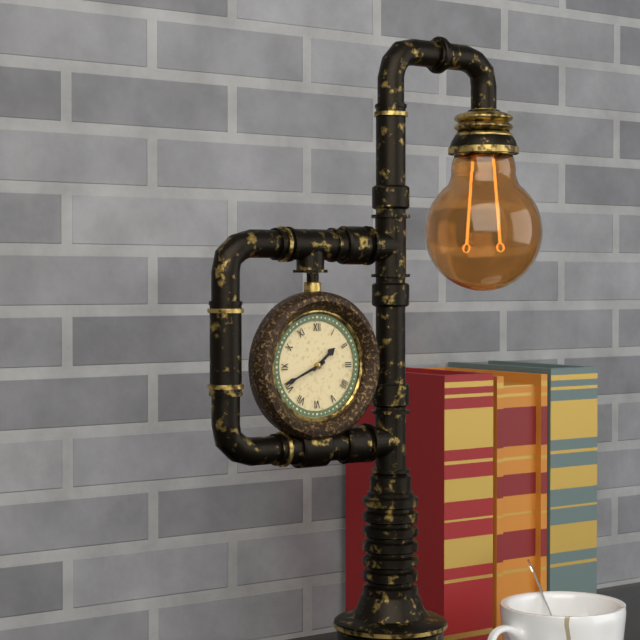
1:41
